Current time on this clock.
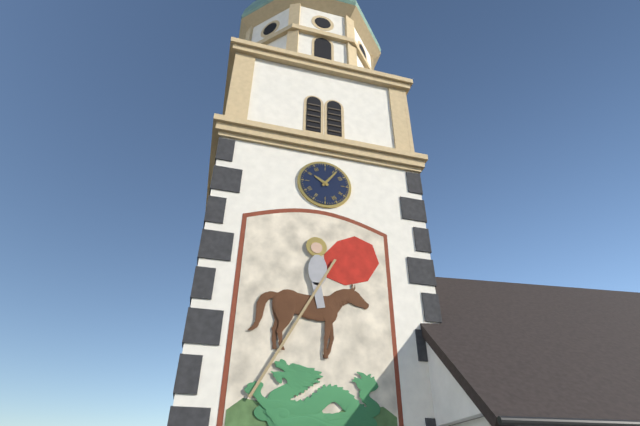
10:06
